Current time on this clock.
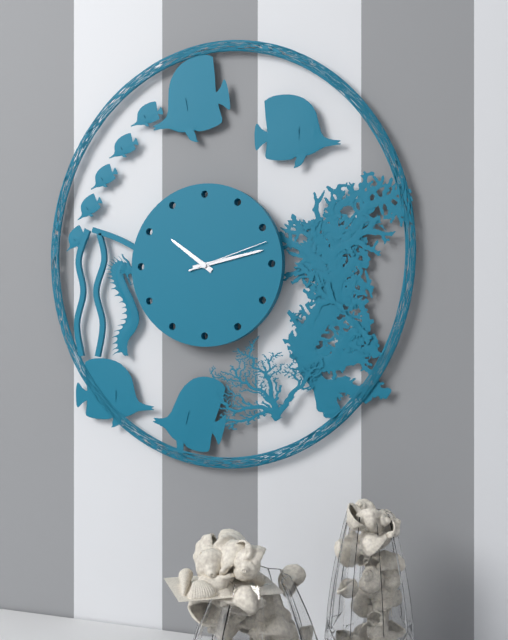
10:13:12
